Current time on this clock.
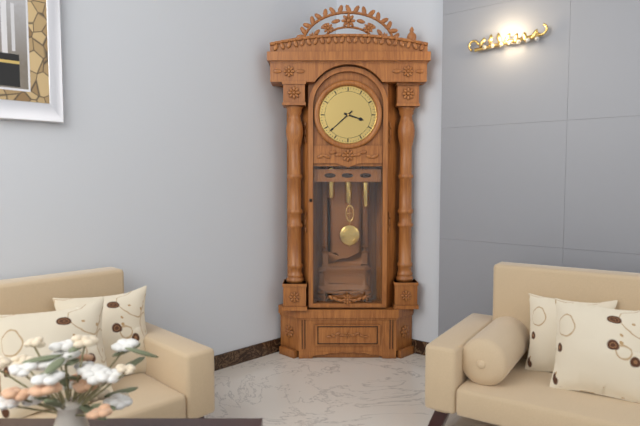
3:38
